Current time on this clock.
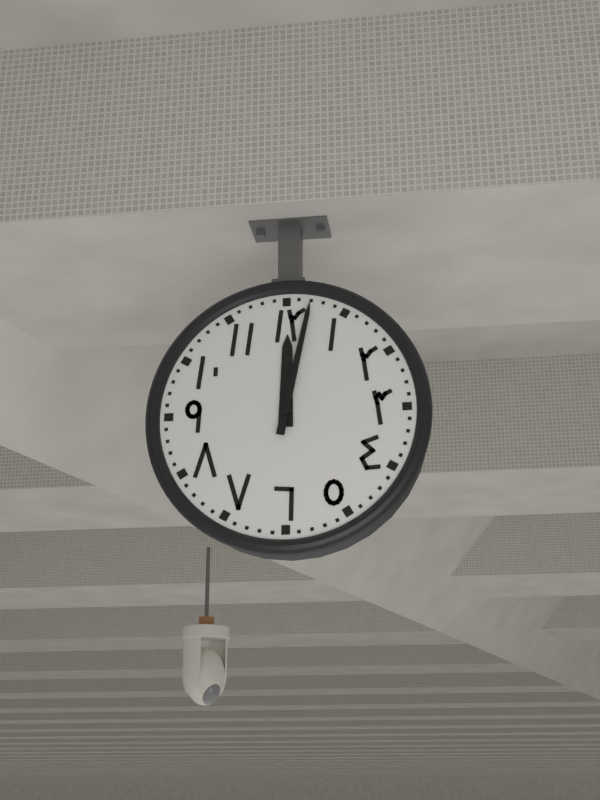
12:02
